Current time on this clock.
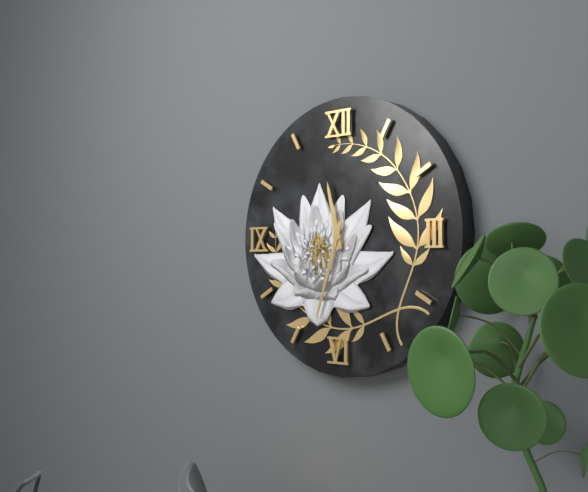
11:33
